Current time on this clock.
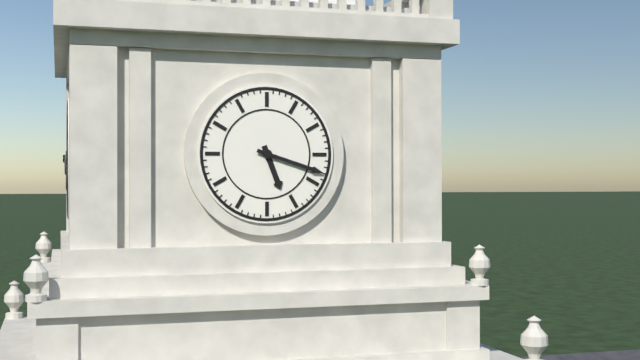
5:18
